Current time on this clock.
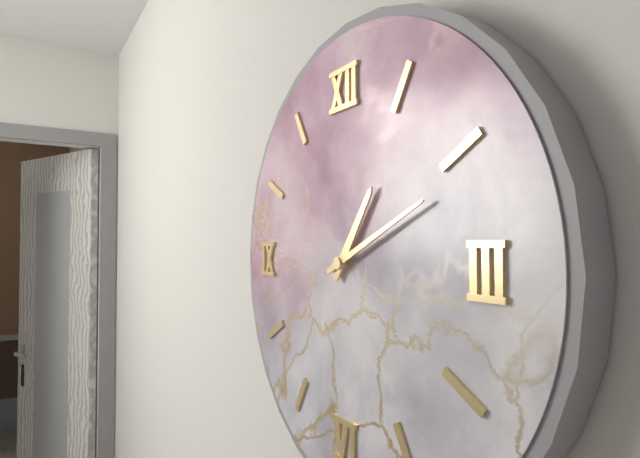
1:11
